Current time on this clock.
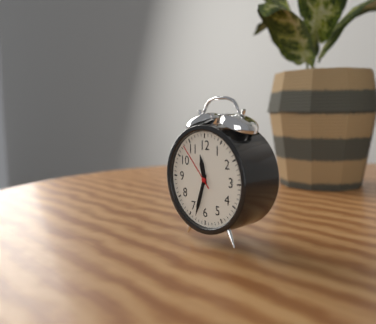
11:33:53
